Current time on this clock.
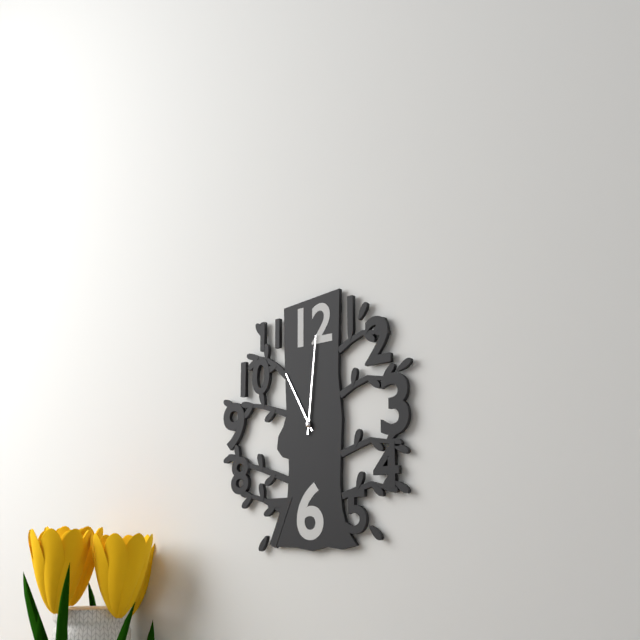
11:01
